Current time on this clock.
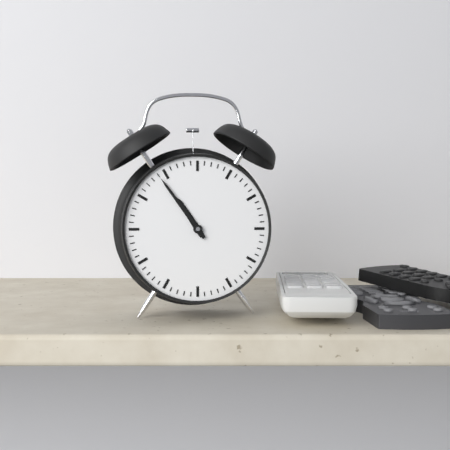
10:54
